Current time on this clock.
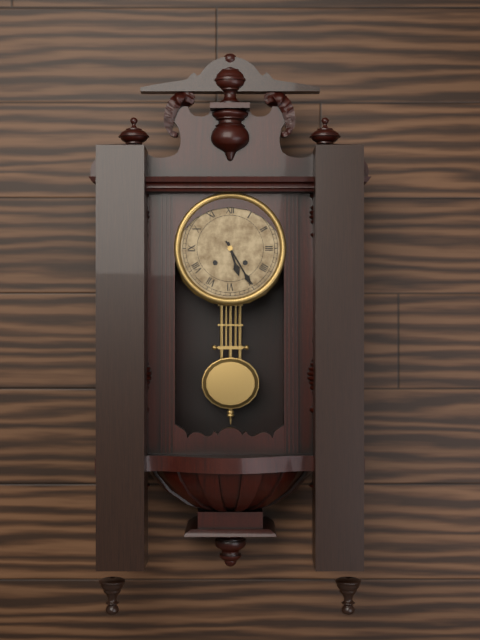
5:25
